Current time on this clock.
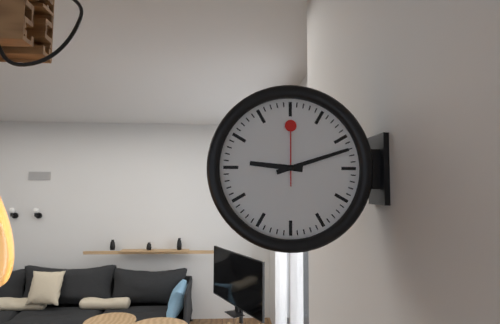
9:12:00
